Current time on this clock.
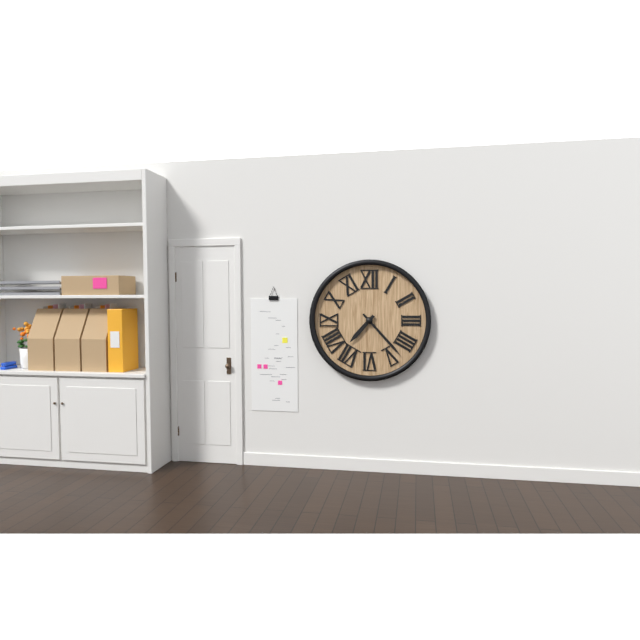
7:23
